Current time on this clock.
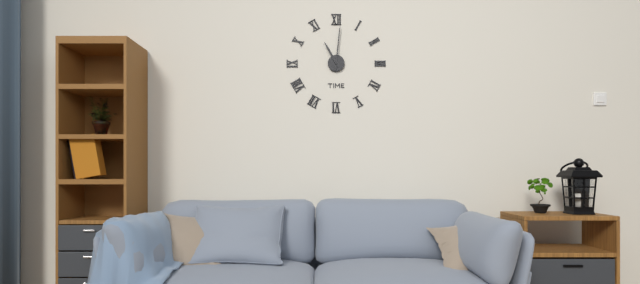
11:01
